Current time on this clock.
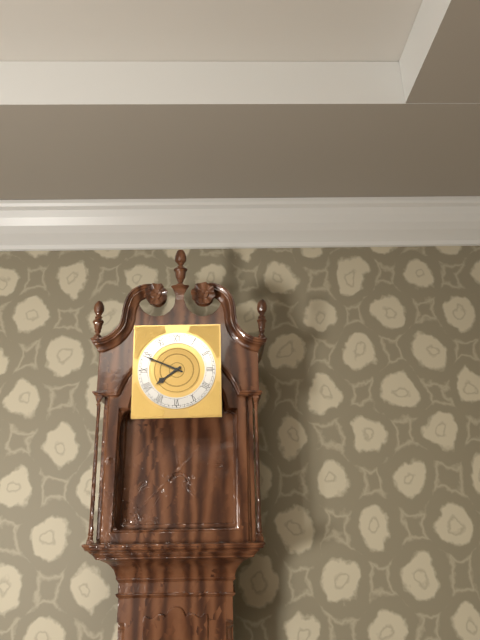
7:49
